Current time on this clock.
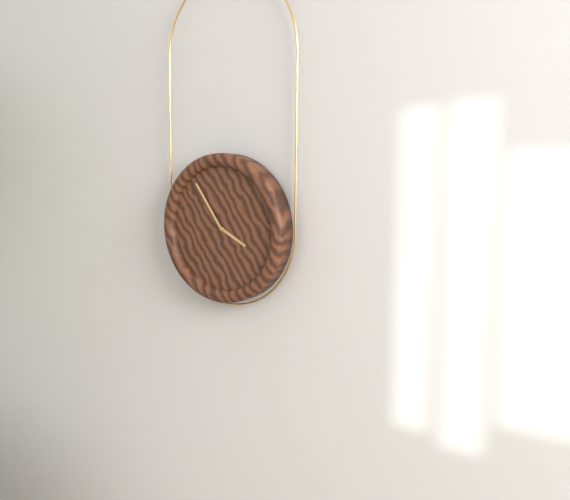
3:54
